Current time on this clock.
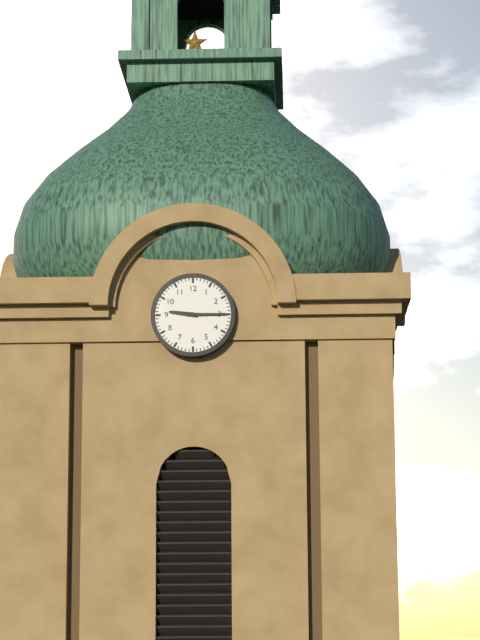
9:15
